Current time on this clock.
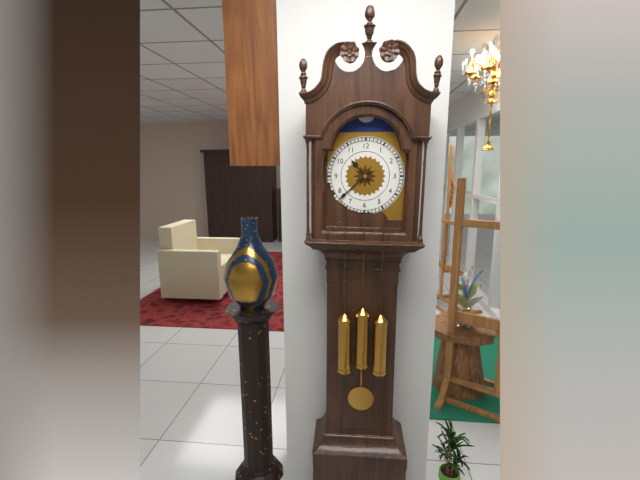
10:38
